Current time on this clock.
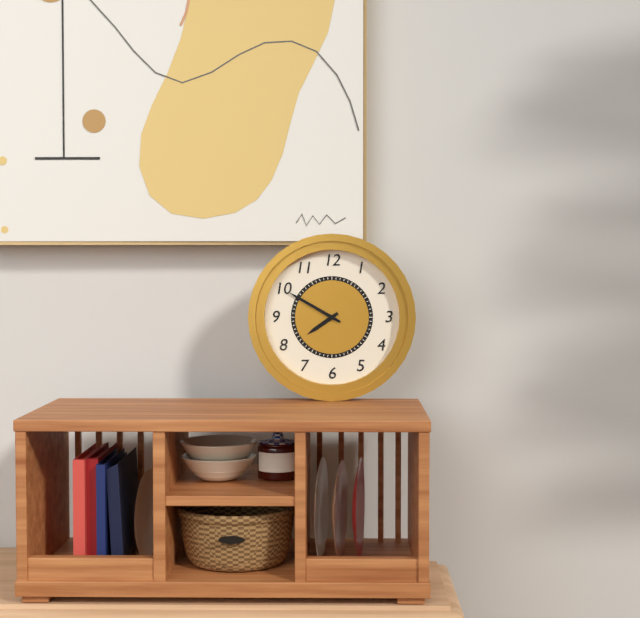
7:50
